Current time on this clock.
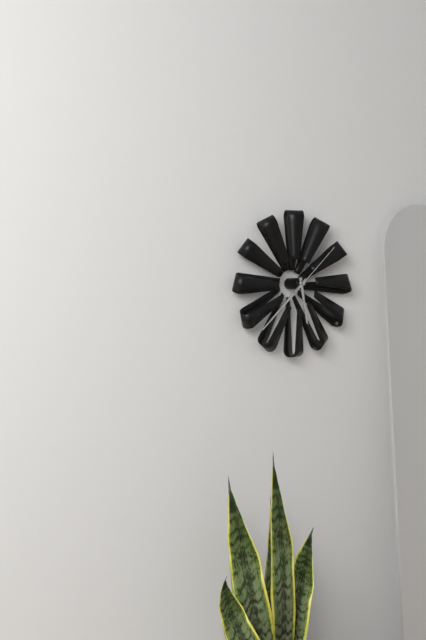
5:38:08
